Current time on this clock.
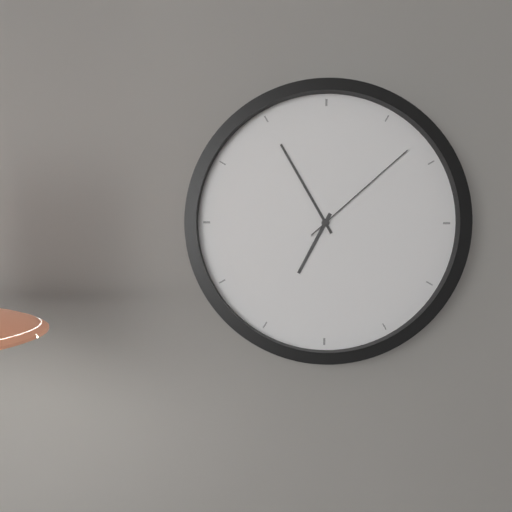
6:55:08
